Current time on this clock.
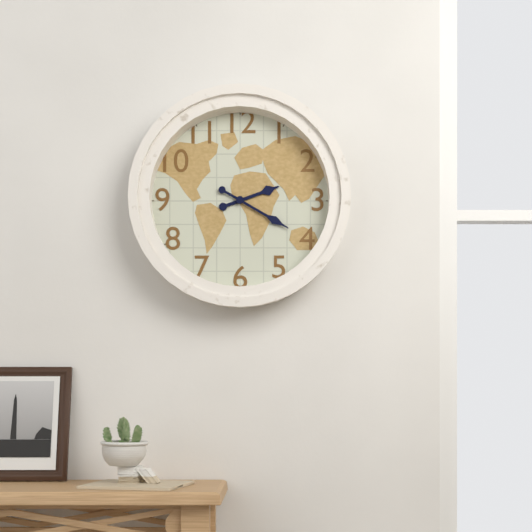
2:20
